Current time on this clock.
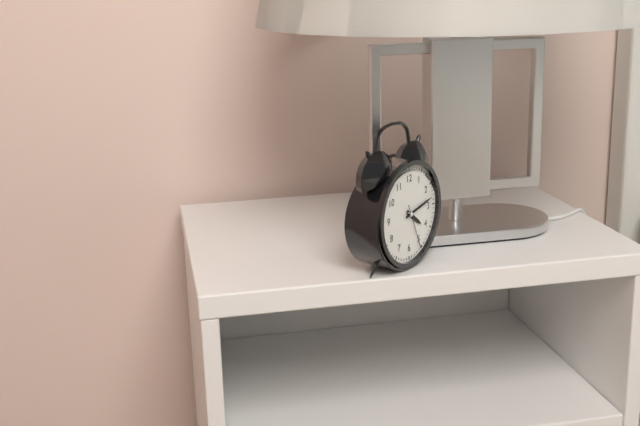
4:13
